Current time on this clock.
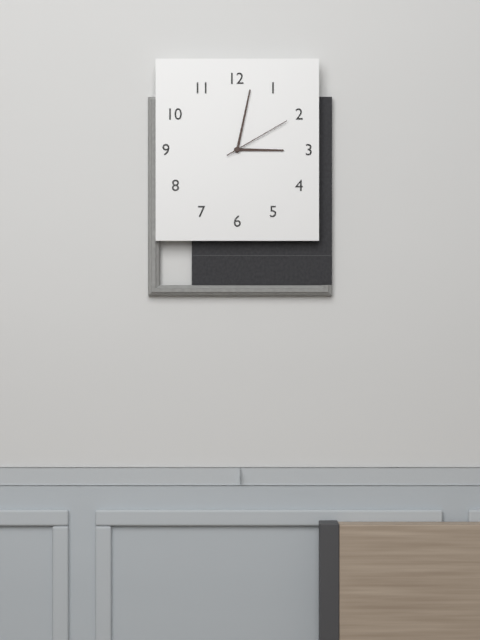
3:02:10
